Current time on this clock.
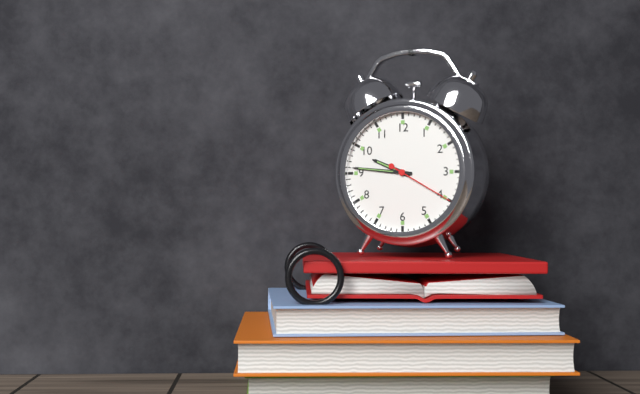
9:46:20
